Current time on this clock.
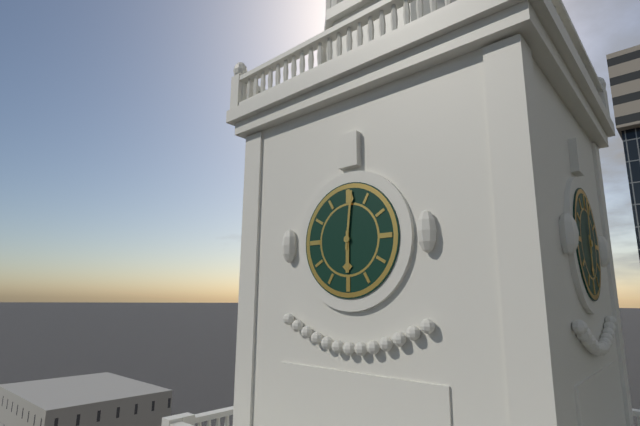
6:01
